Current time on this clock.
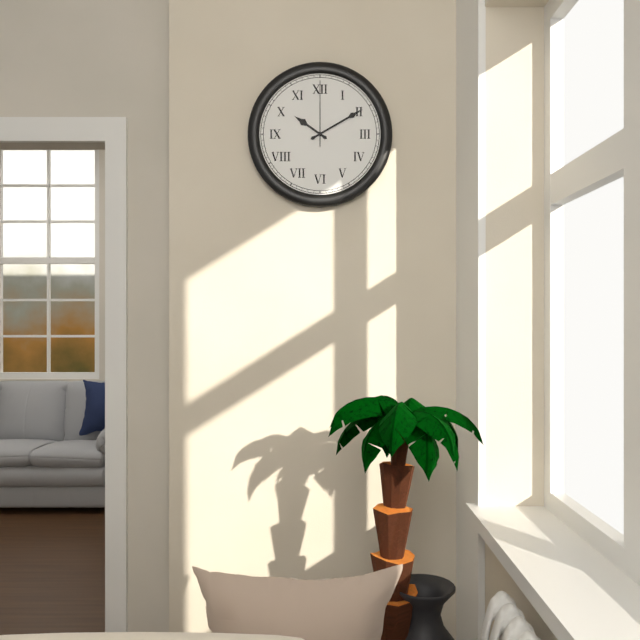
10:10:00
